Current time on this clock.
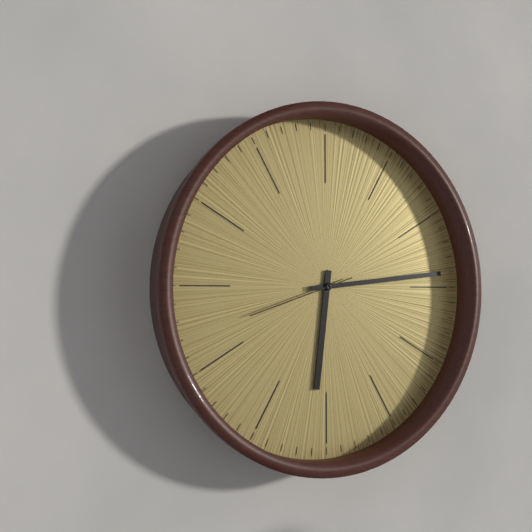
6:14:42
